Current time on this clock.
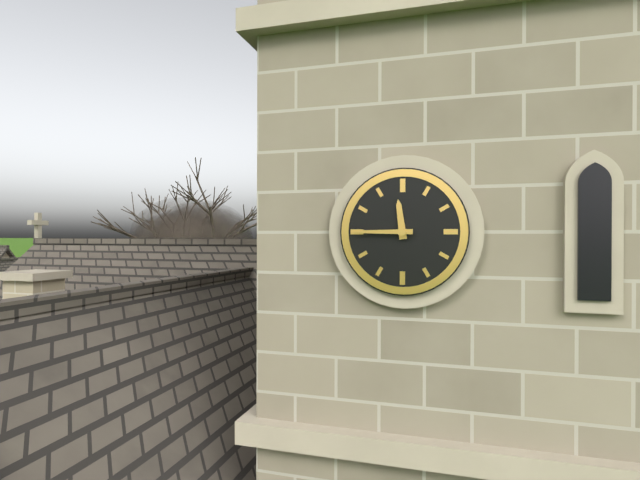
11:45
